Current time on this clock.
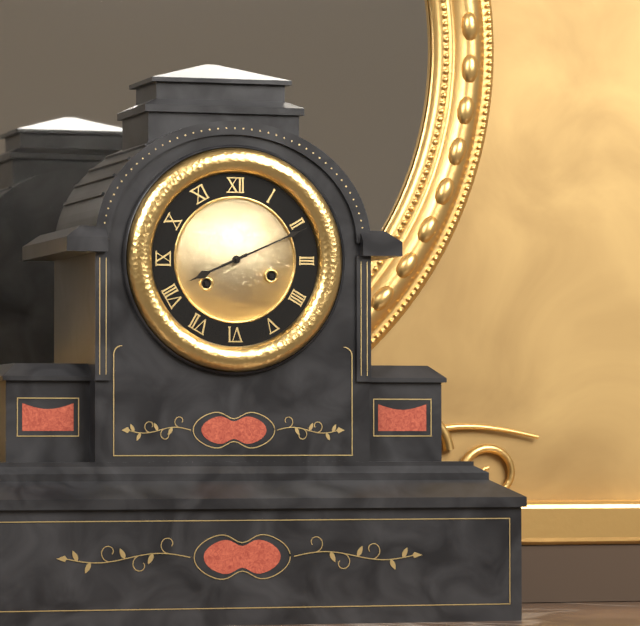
8:11
